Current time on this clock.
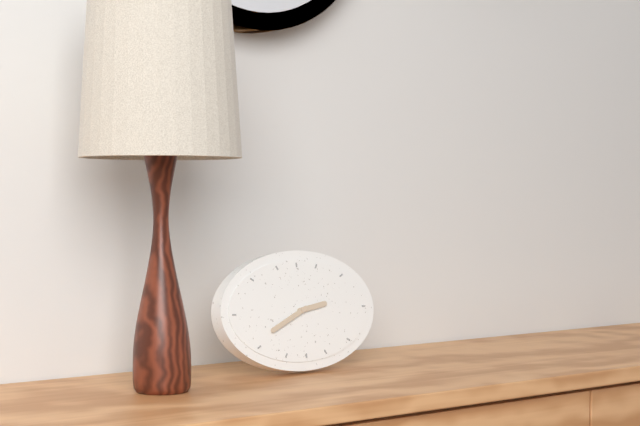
2:41
